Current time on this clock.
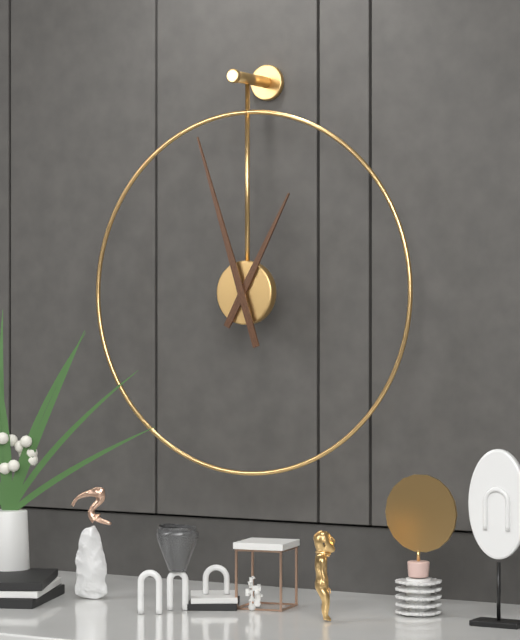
12:57
